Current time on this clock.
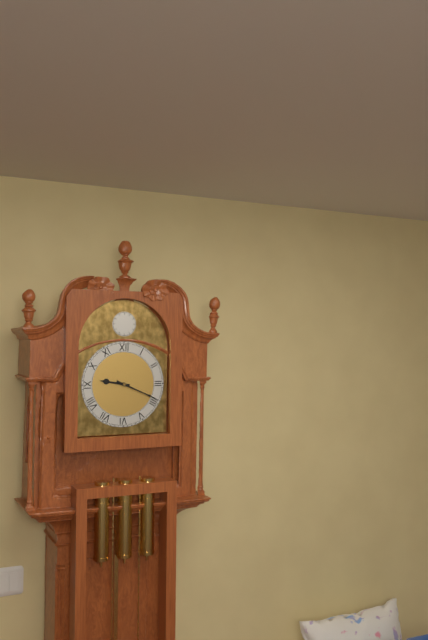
9:19
